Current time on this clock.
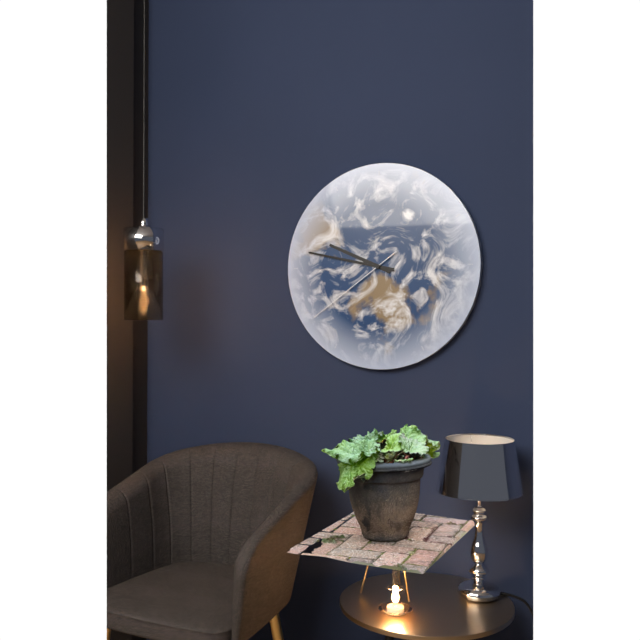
9:47:39
